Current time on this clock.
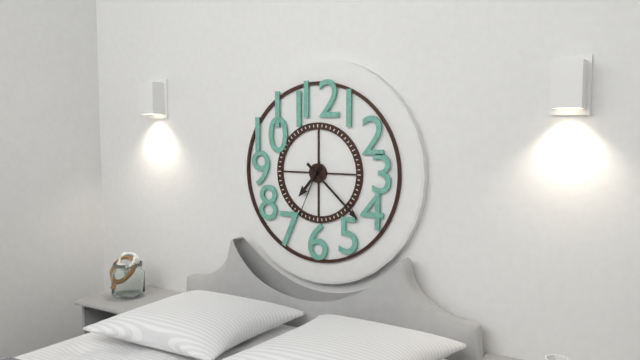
7:22:34
